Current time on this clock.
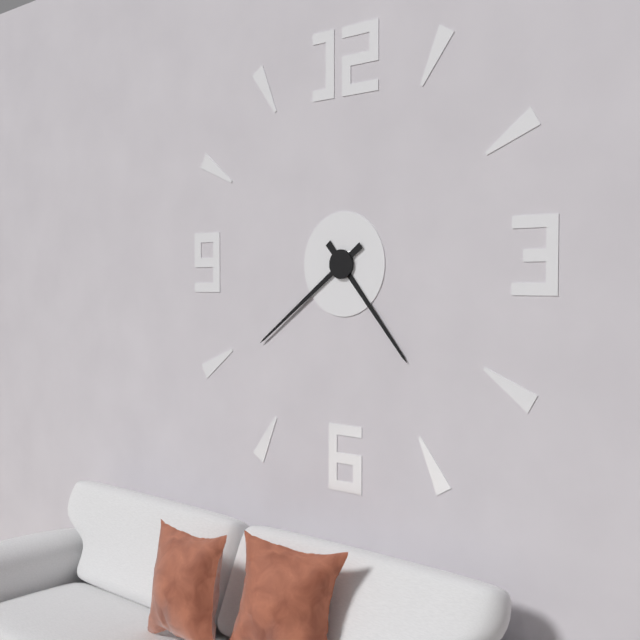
4:39
